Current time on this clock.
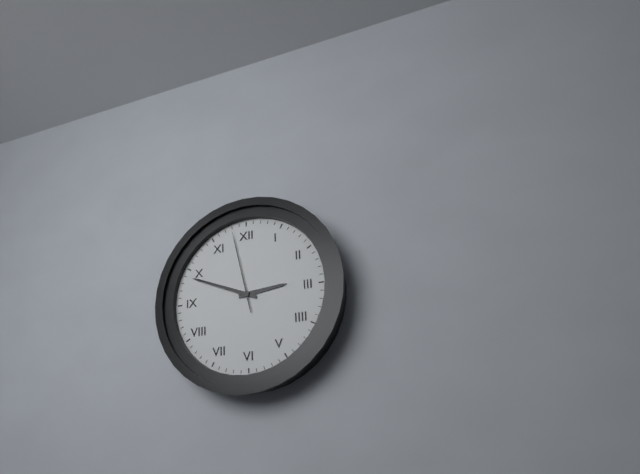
2:49:58
